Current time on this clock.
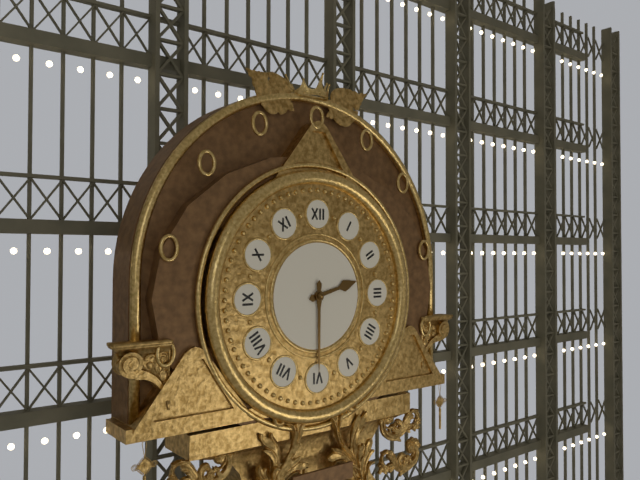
2:30
